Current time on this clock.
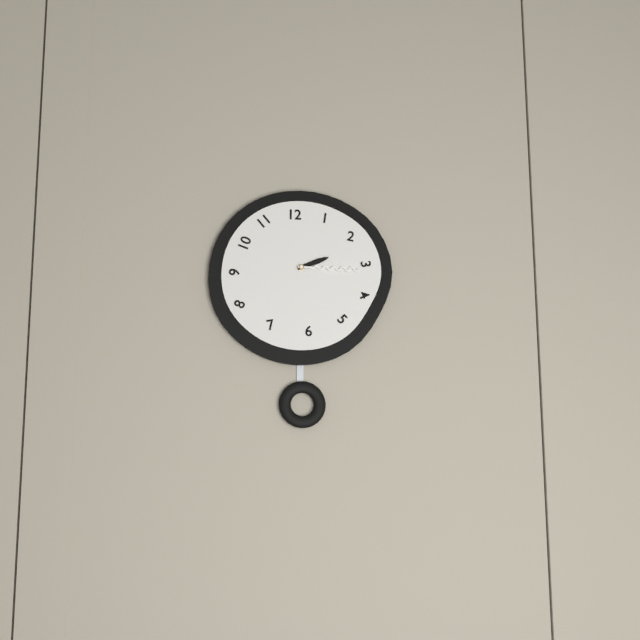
2:15
